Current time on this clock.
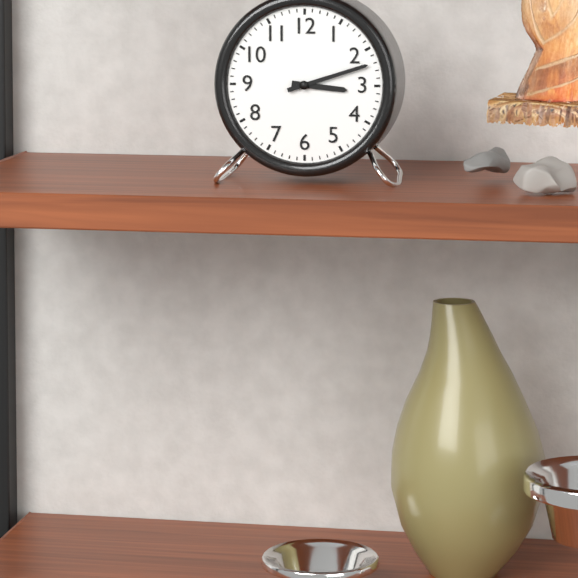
3:12
